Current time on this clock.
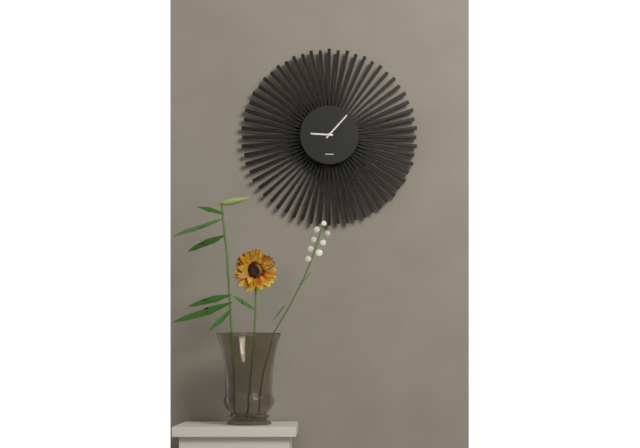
9:07
